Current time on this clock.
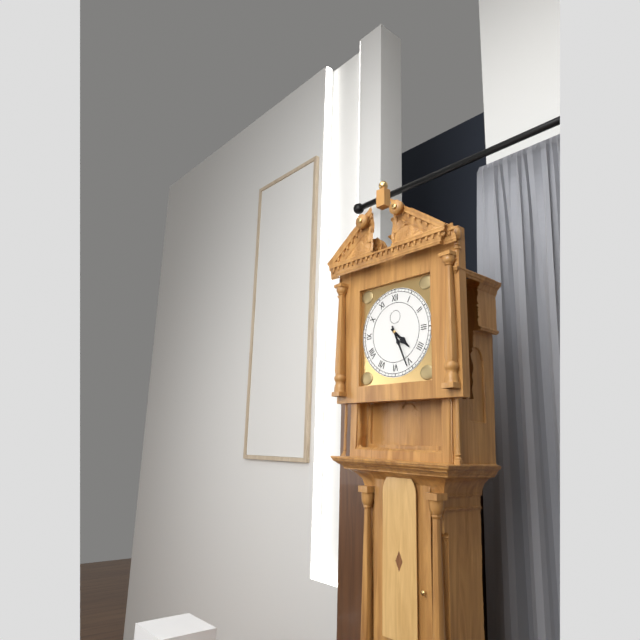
4:26
